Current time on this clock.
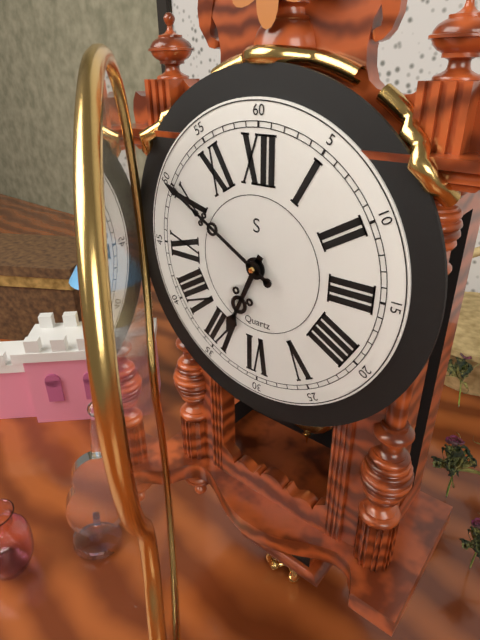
6:50
